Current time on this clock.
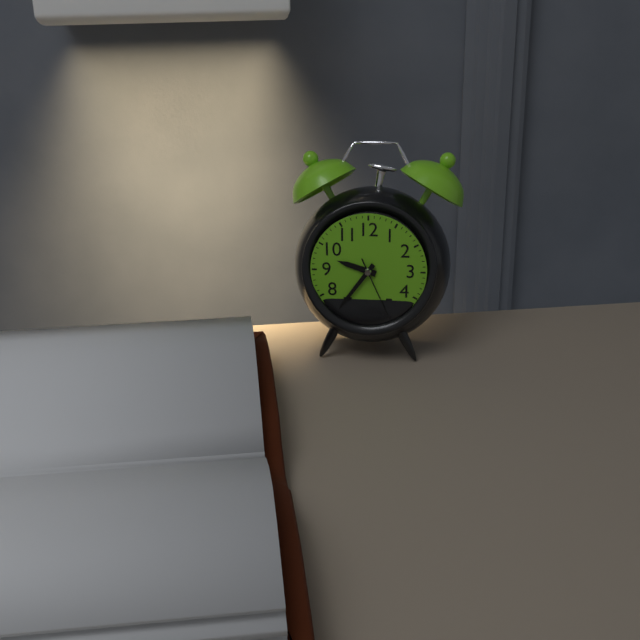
9:36:26
